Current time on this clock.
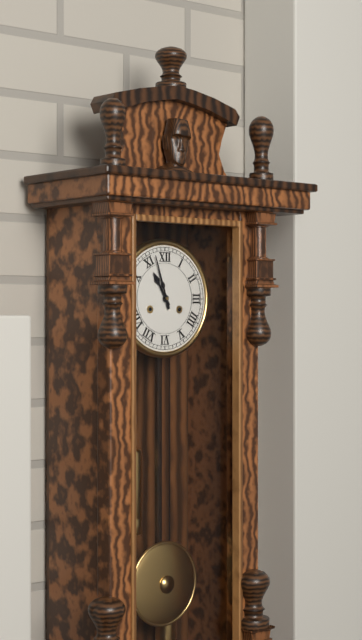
10:57
